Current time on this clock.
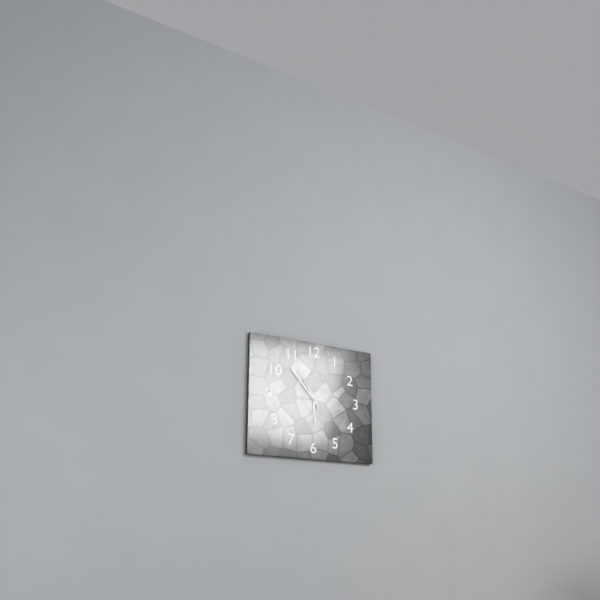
5:53
